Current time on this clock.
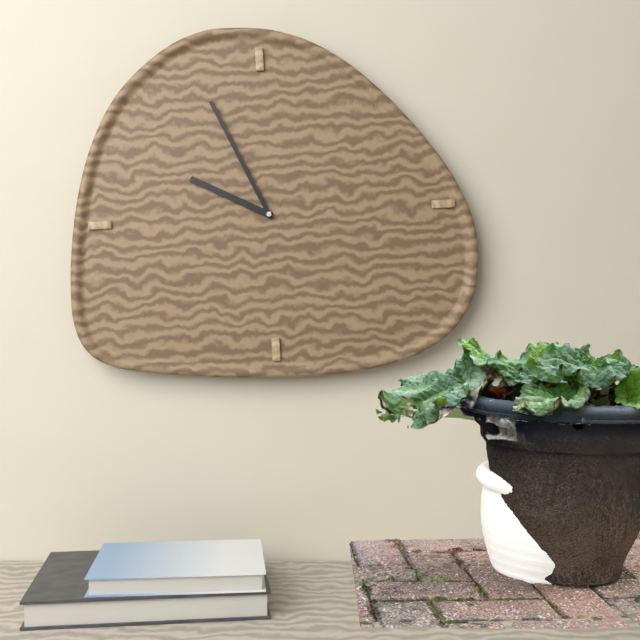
9:56
